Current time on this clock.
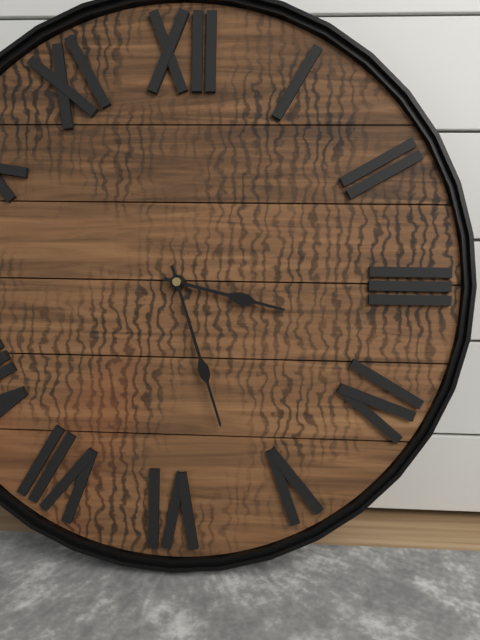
3:27
